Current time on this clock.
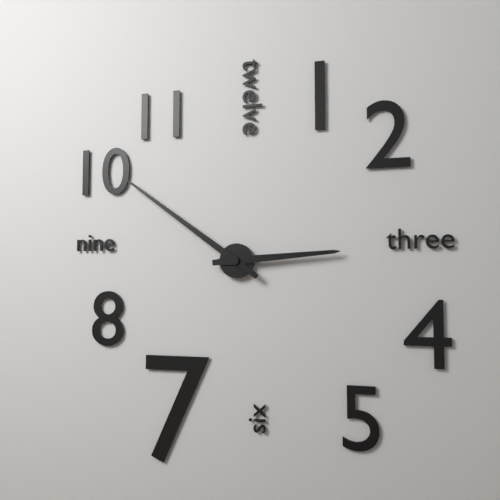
2:51
